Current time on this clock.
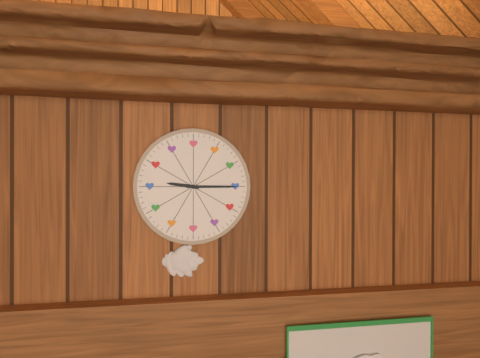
9:15
